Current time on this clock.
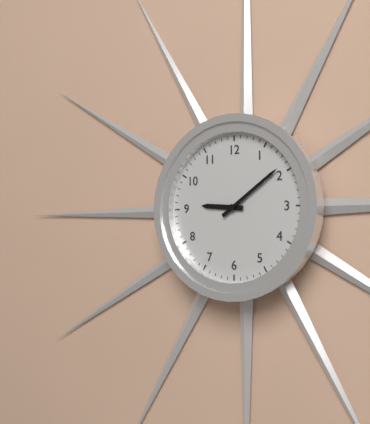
9:09
